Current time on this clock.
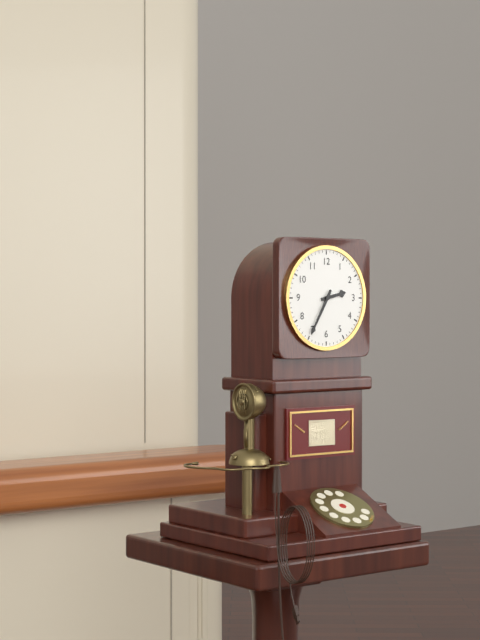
2:35
